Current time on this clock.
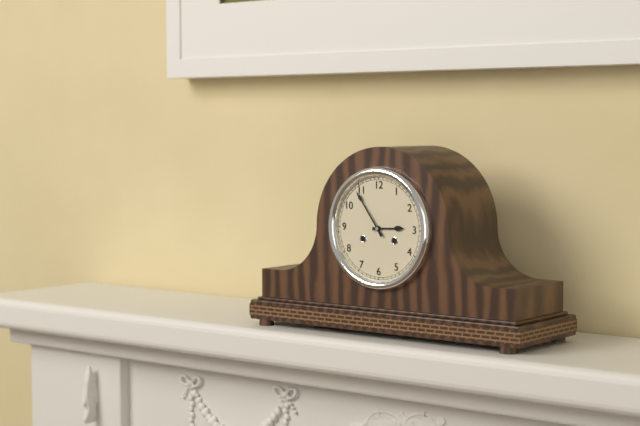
2:54
